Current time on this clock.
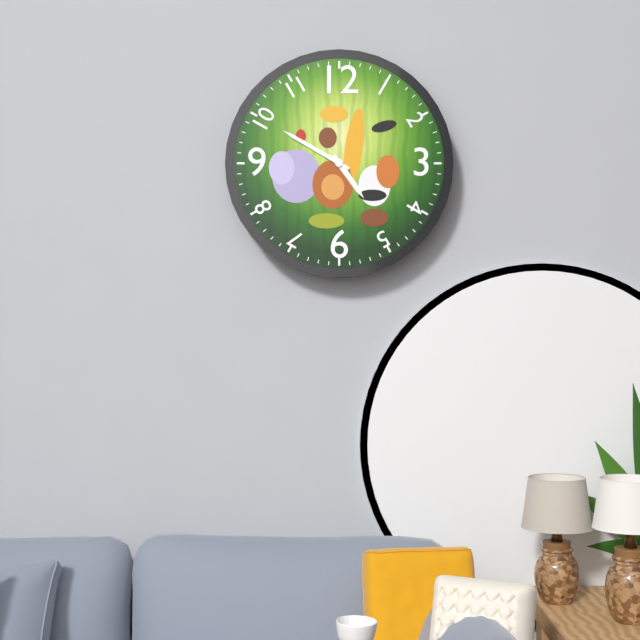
4:50
